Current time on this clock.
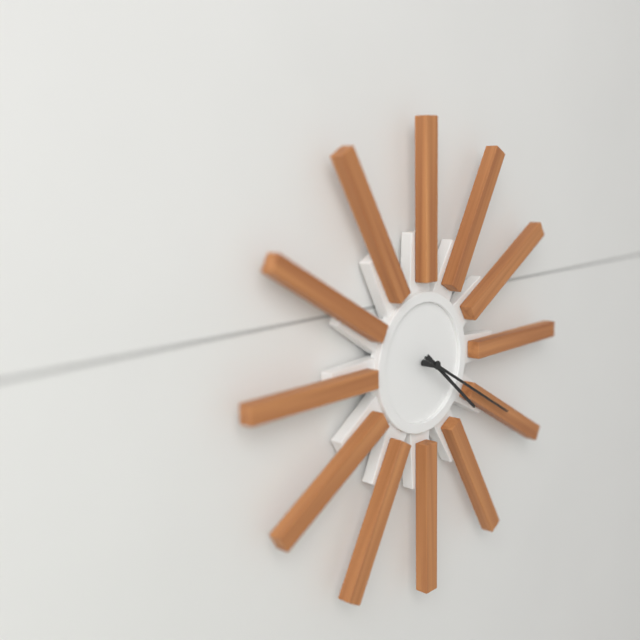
4:20
